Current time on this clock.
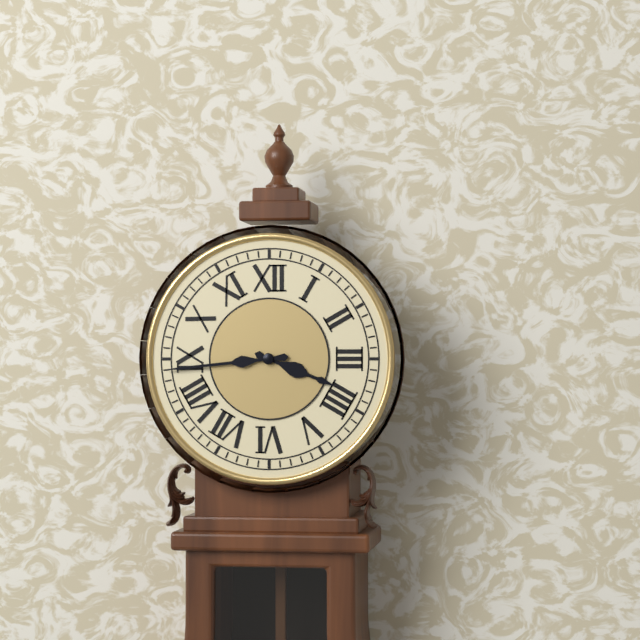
3:44
